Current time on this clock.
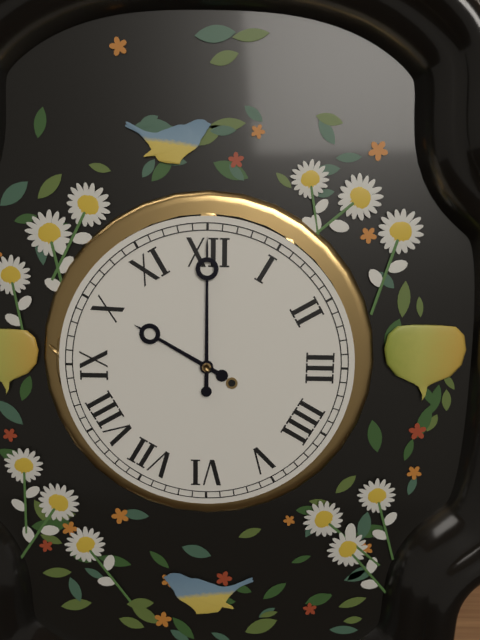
10:00
